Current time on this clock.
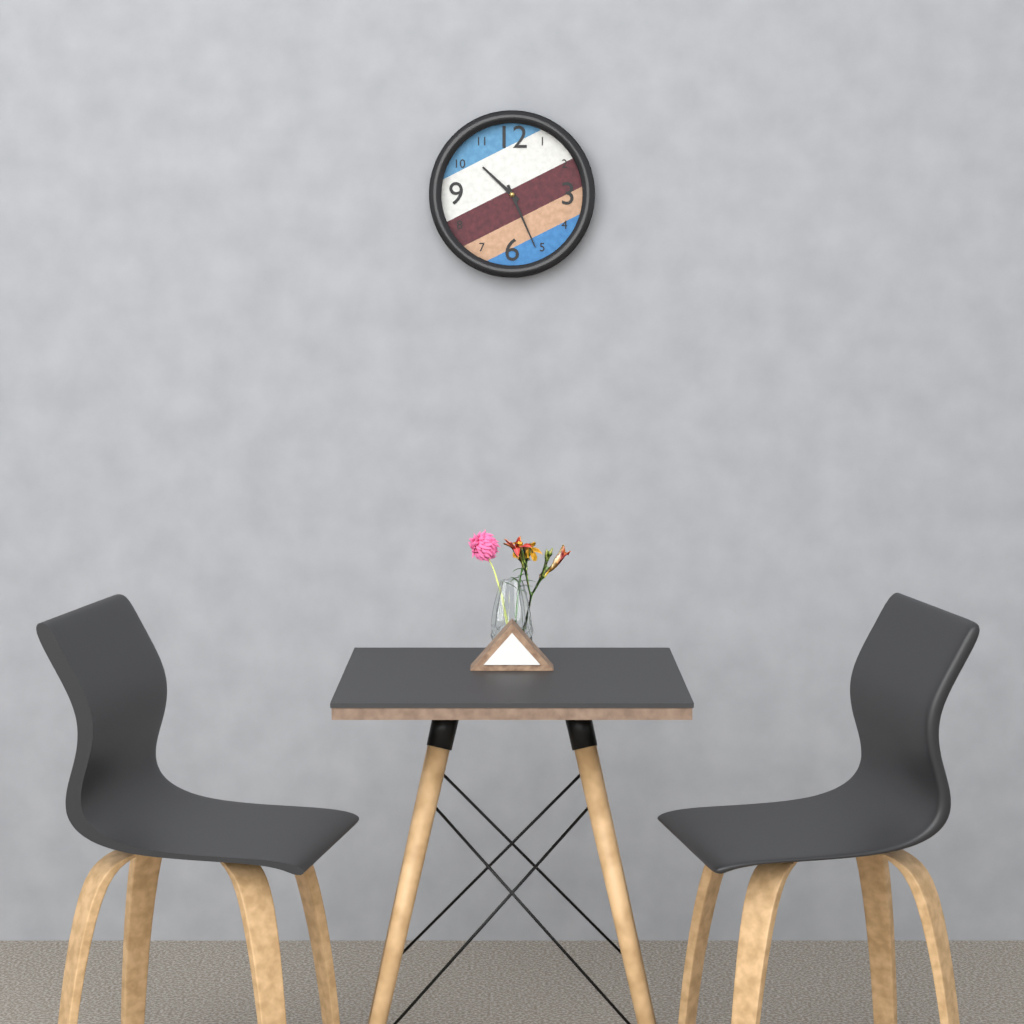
10:26
